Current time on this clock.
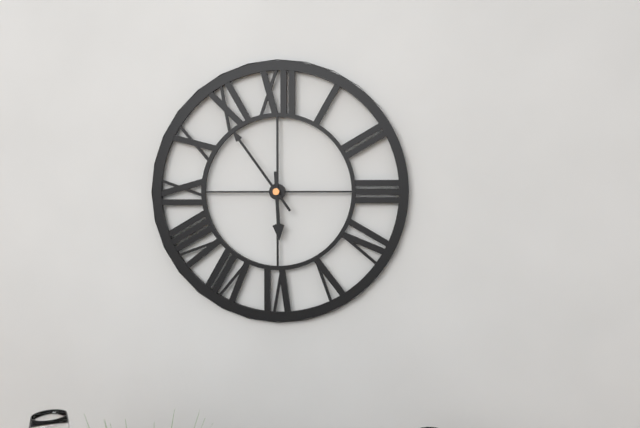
5:54
